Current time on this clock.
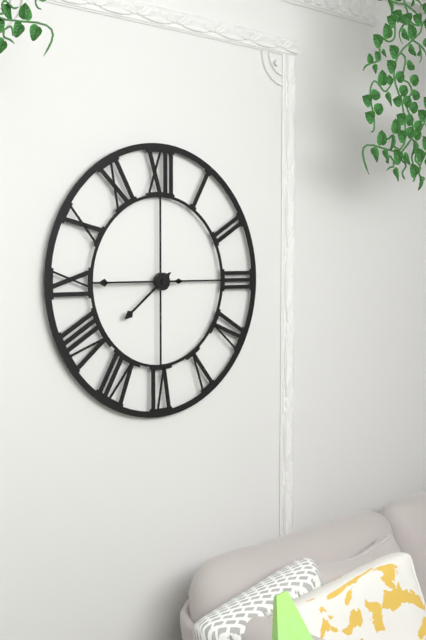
7:45
